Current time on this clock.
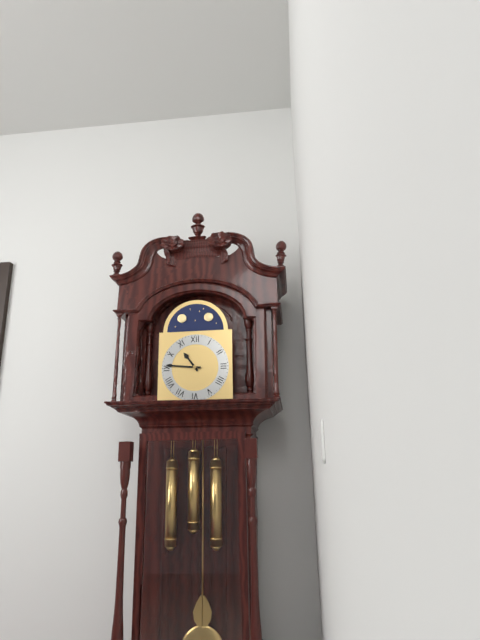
10:46
